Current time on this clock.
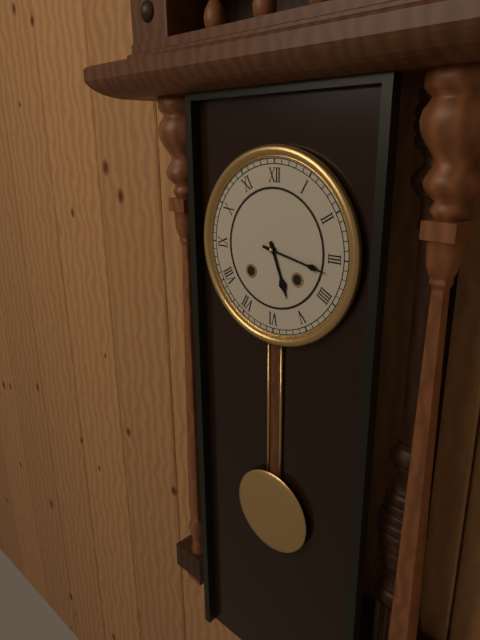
5:17
